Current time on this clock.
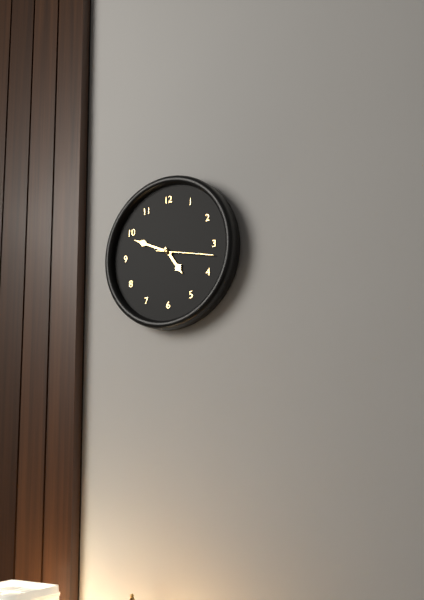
4:49
